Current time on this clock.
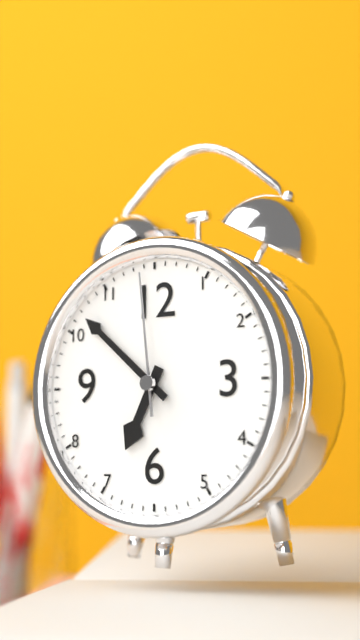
6:52:59
